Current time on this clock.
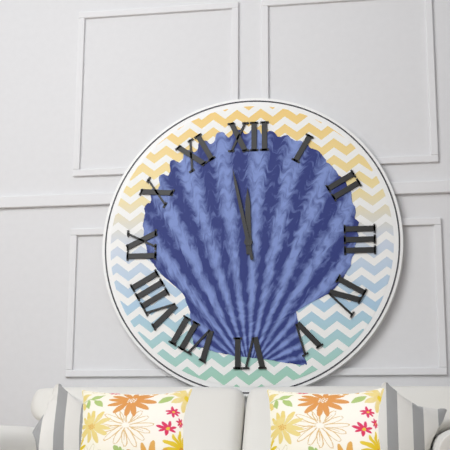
11:58
